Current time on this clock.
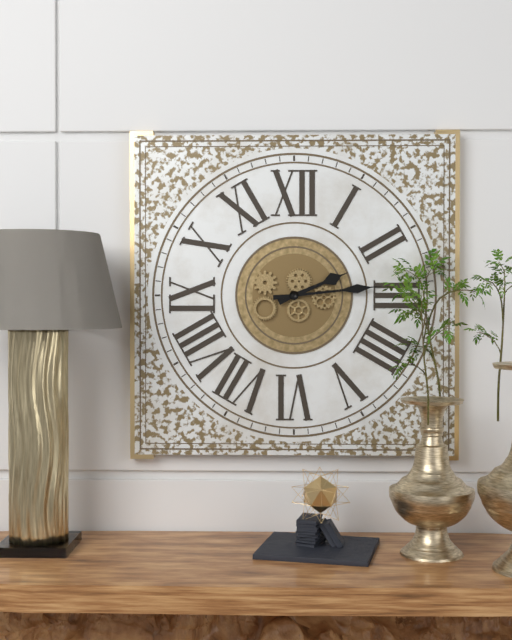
2:14
